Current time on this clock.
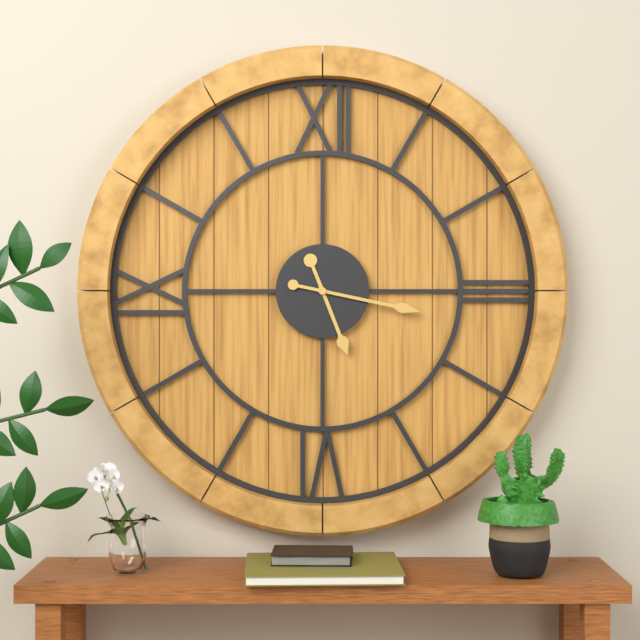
5:17
